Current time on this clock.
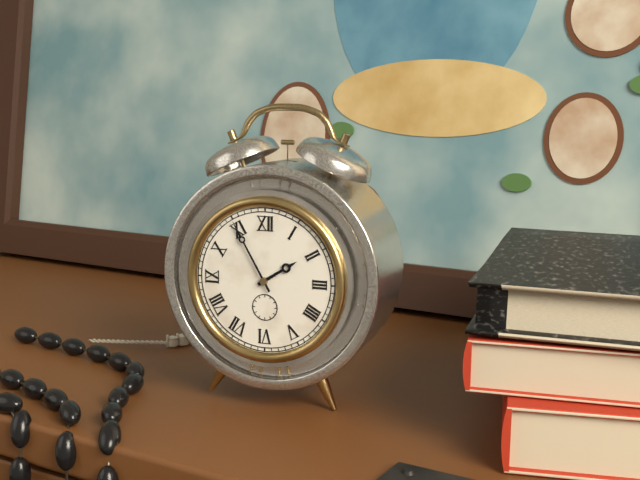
1:55
